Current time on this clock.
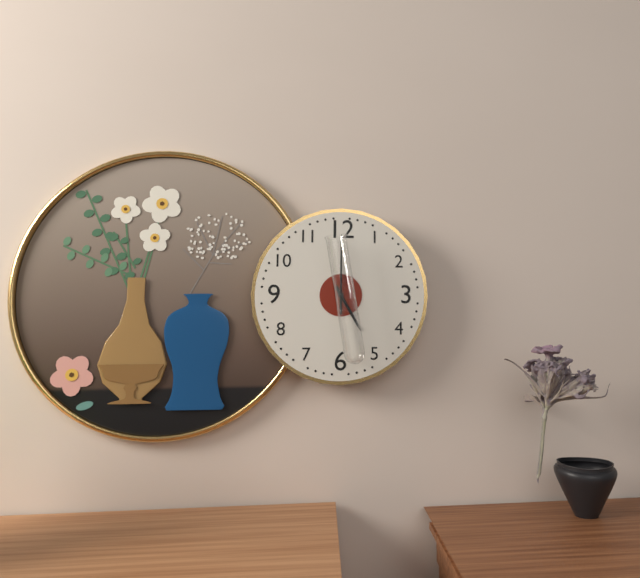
5:00
